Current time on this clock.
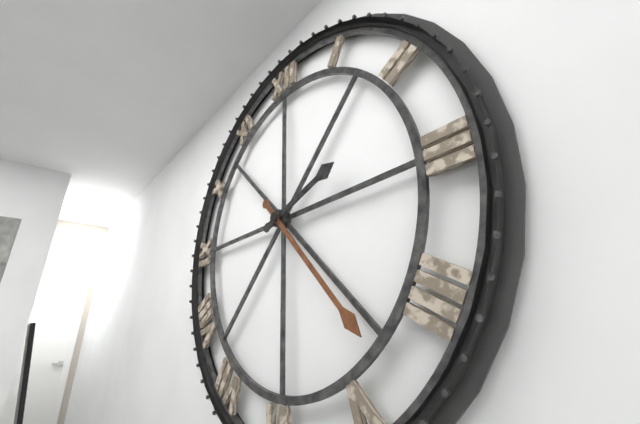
2:23
